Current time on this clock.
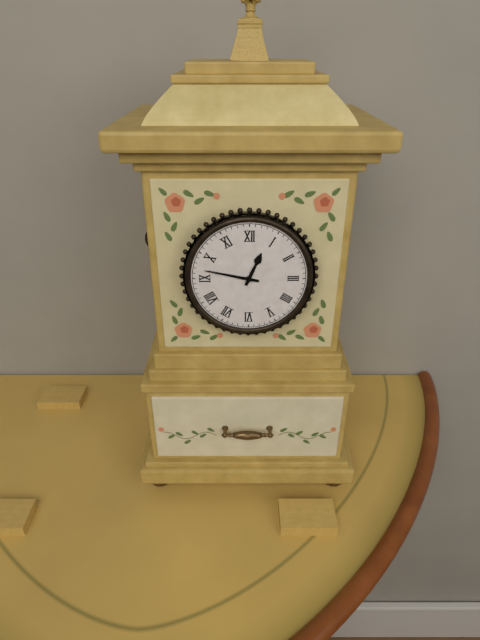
12:47
